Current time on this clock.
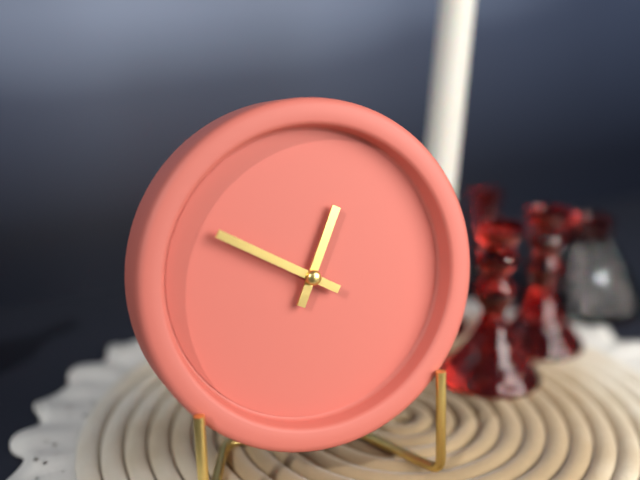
12:50
